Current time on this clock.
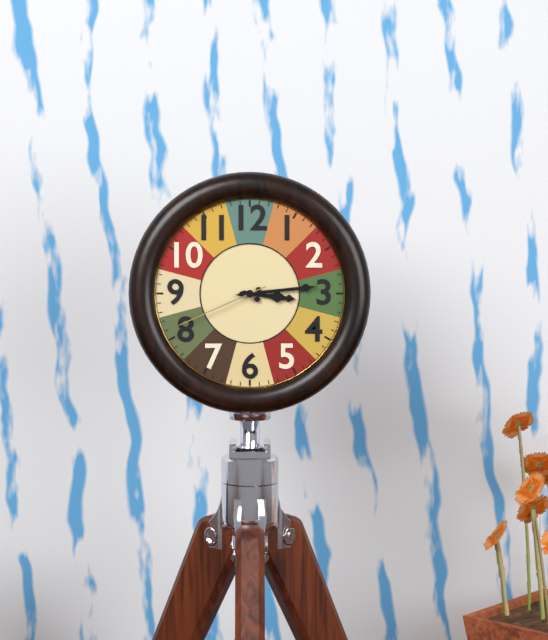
3:14:41
